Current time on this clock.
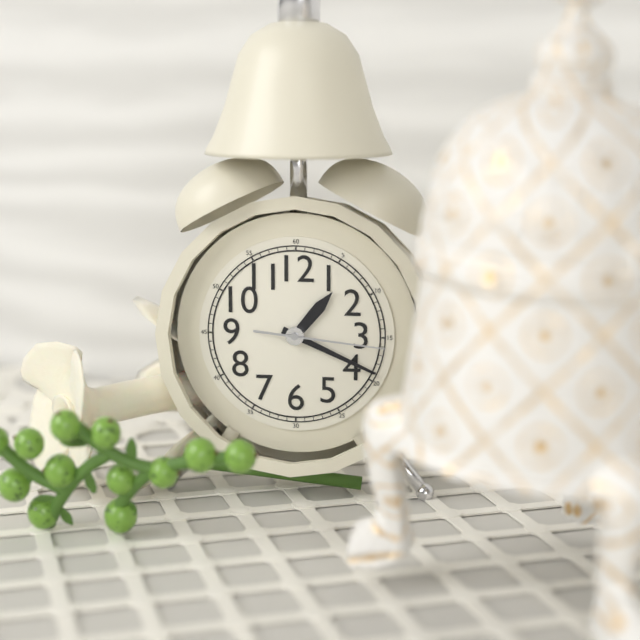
1:19:16
